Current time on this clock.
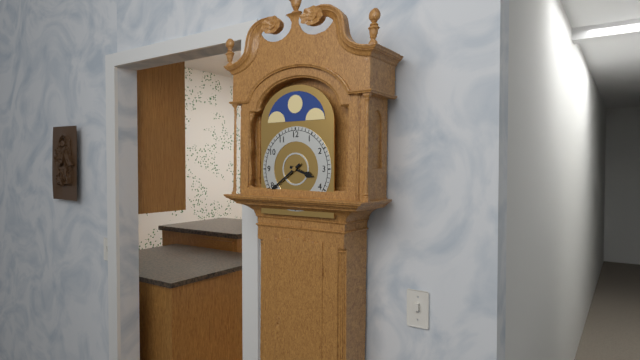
3:39
